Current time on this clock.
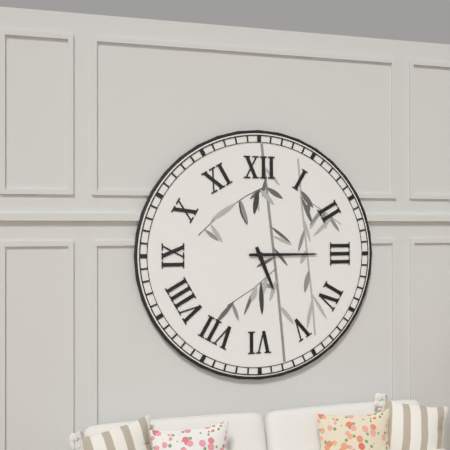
5:15
